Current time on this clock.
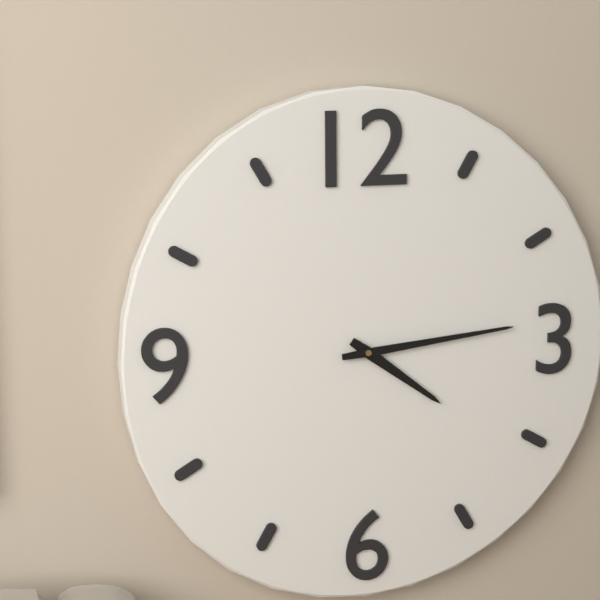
4:14
